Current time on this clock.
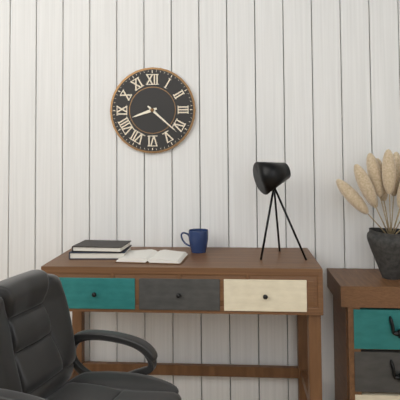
8:22
